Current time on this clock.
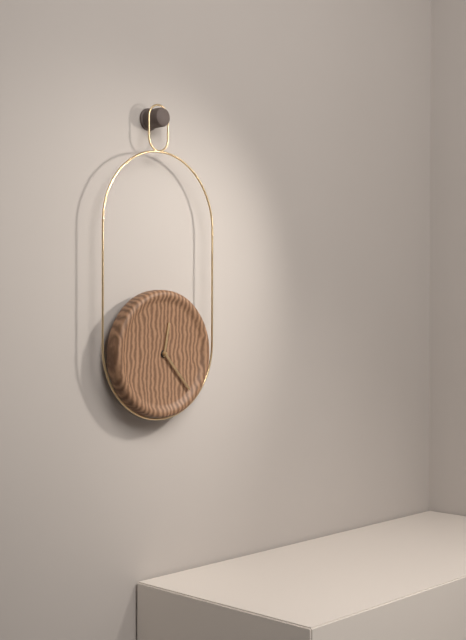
12:23
